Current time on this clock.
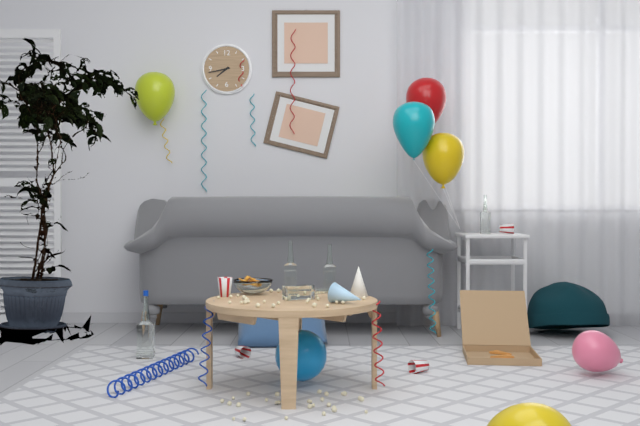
7:43
